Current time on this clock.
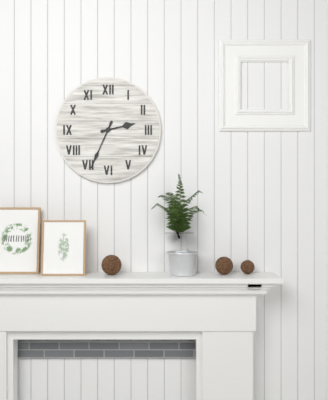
2:34
